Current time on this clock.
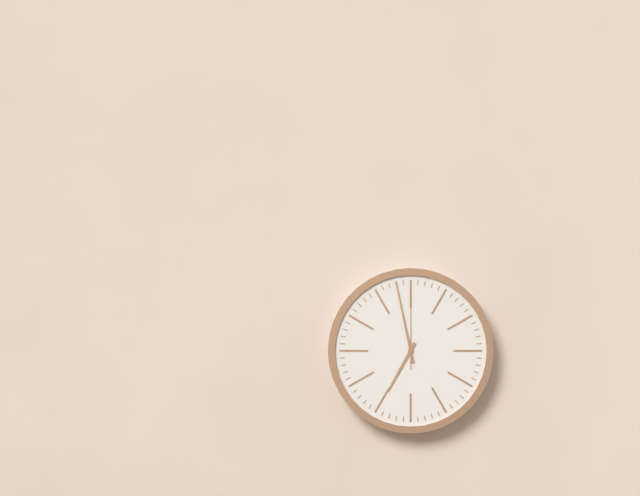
6:58:00
